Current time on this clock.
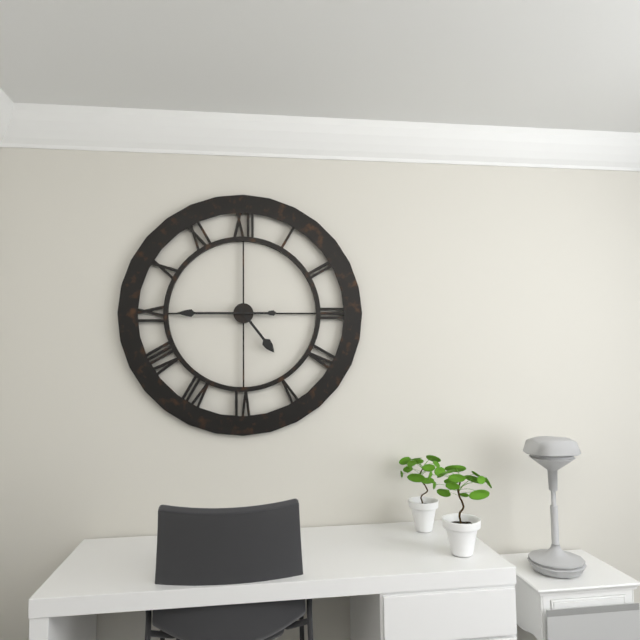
4:45
